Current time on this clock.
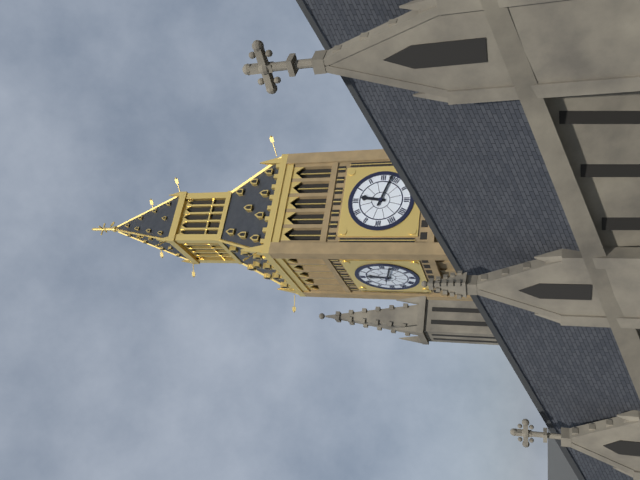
12:18
